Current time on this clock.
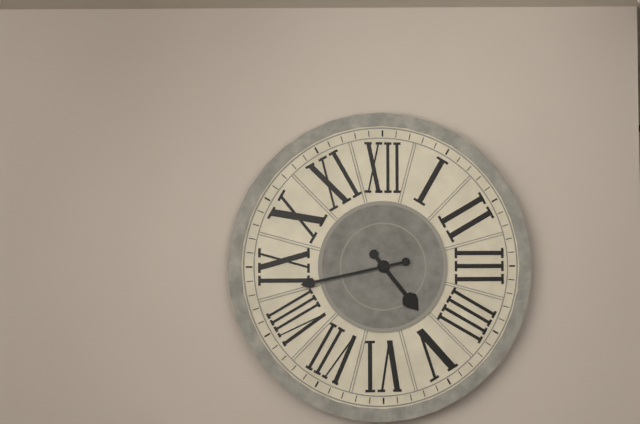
4:43
